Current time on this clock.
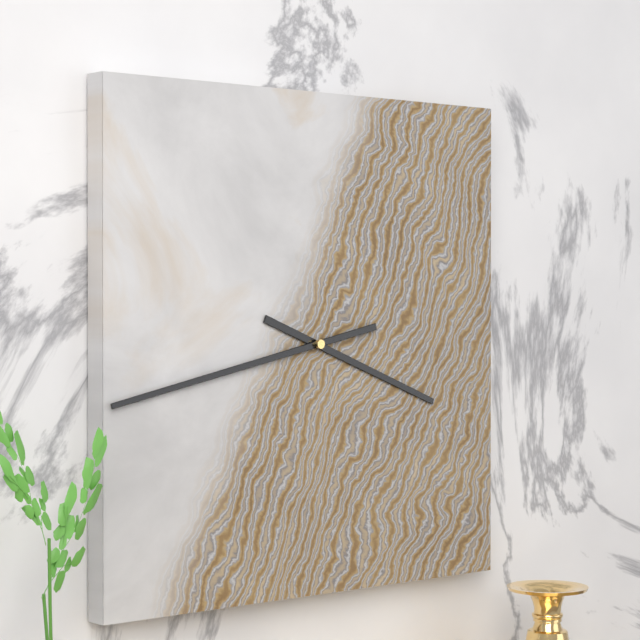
3:43
